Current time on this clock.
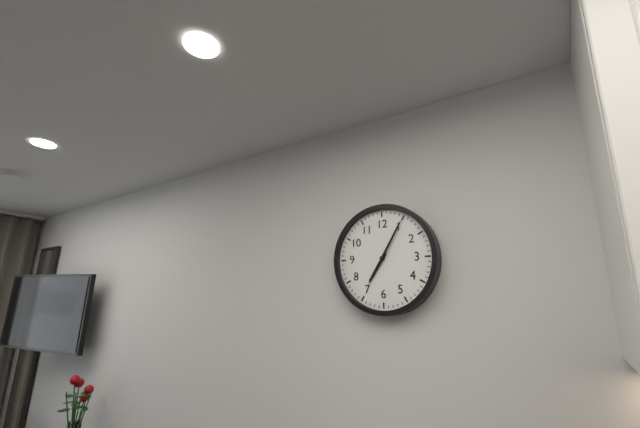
7:05
